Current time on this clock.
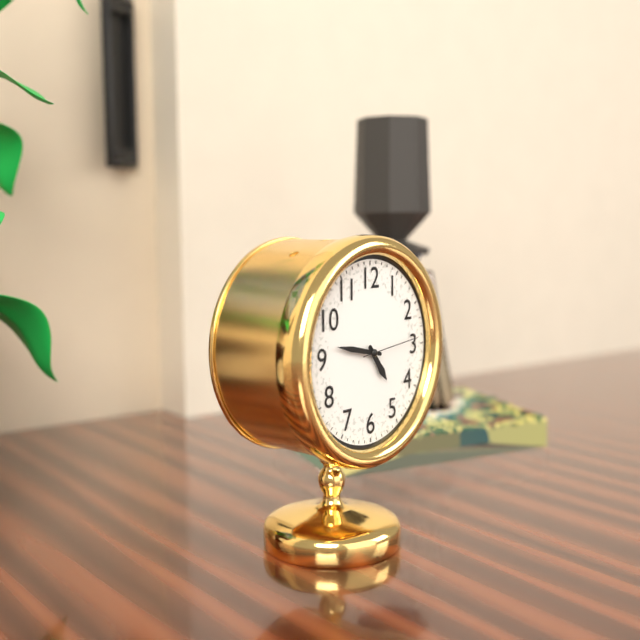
4:47:14
